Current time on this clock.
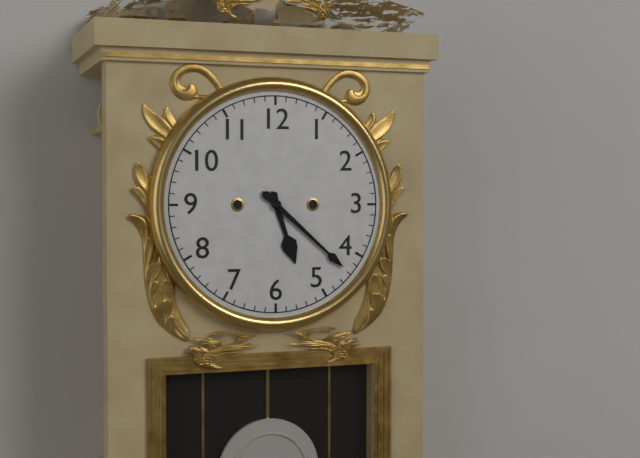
5:22
